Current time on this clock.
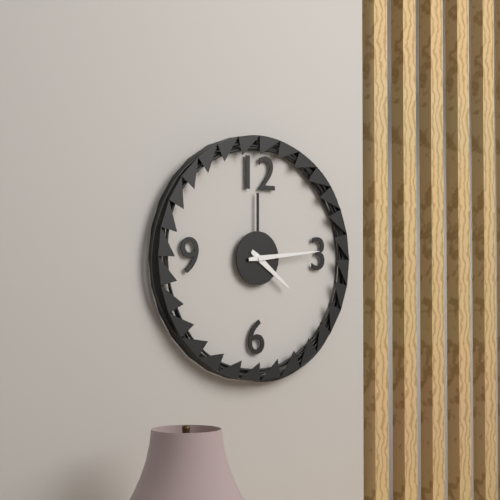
4:14
